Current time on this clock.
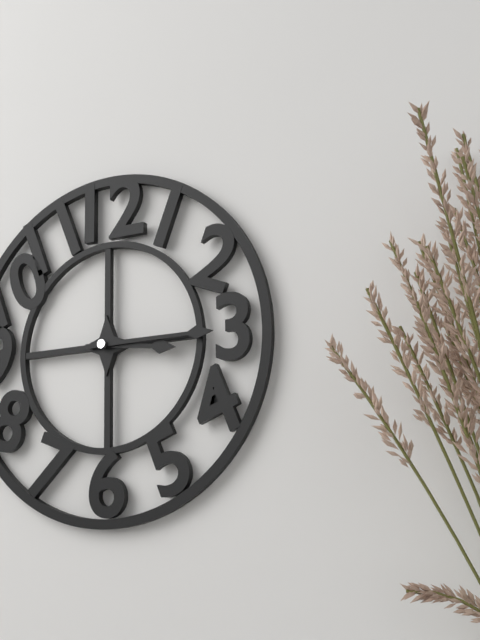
3:15
